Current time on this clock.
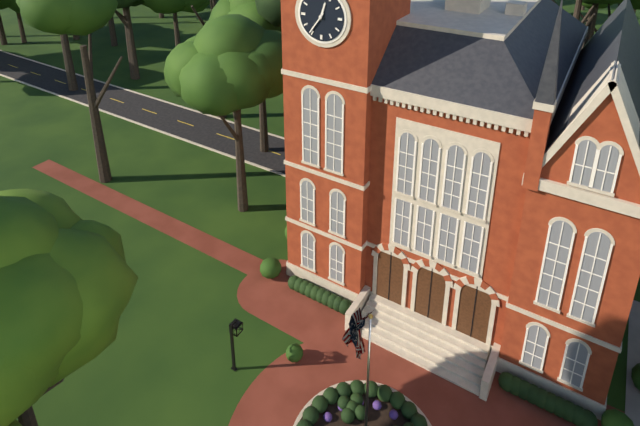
12:36
